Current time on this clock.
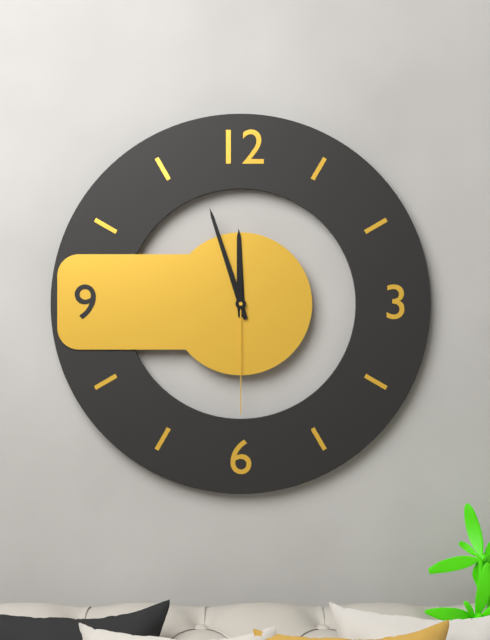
11:57:30
